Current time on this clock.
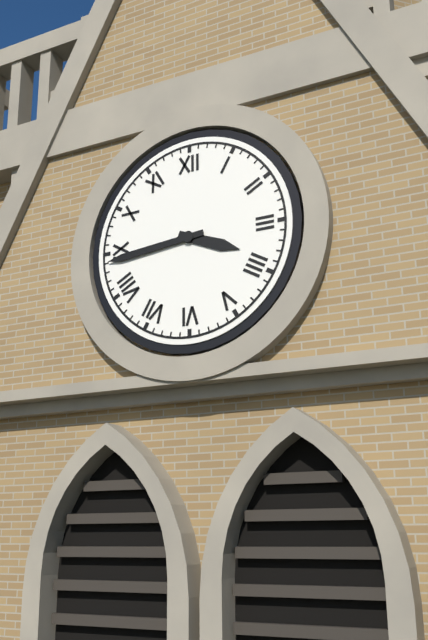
3:44
